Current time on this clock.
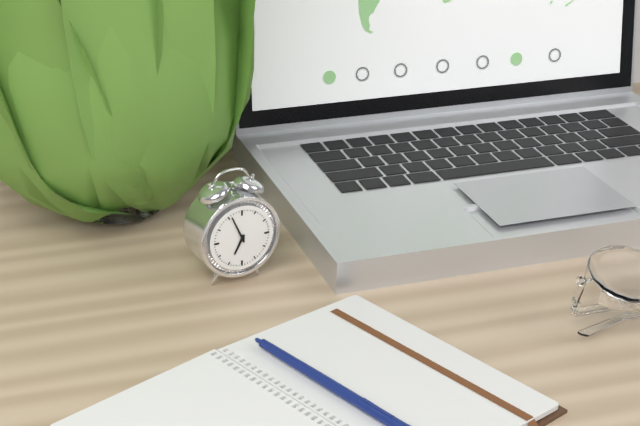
6:56
